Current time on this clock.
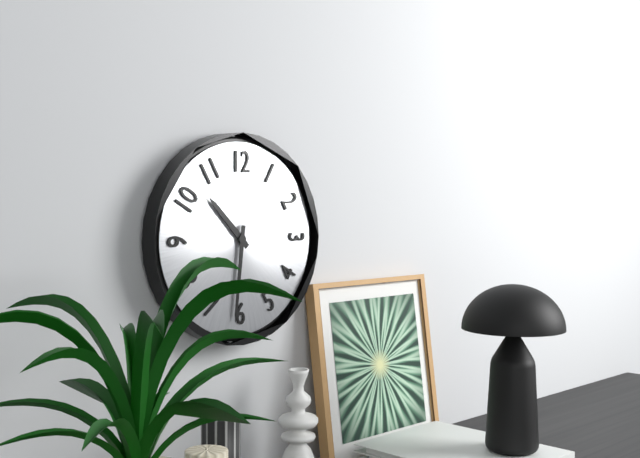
10:31
